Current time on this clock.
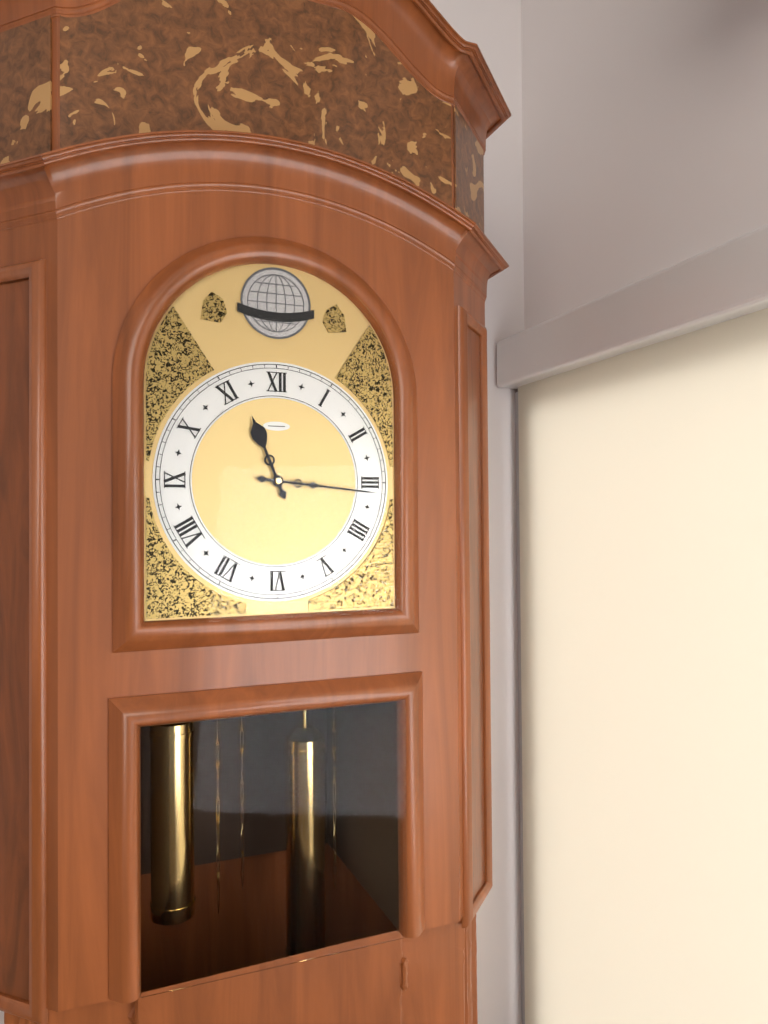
11:16
